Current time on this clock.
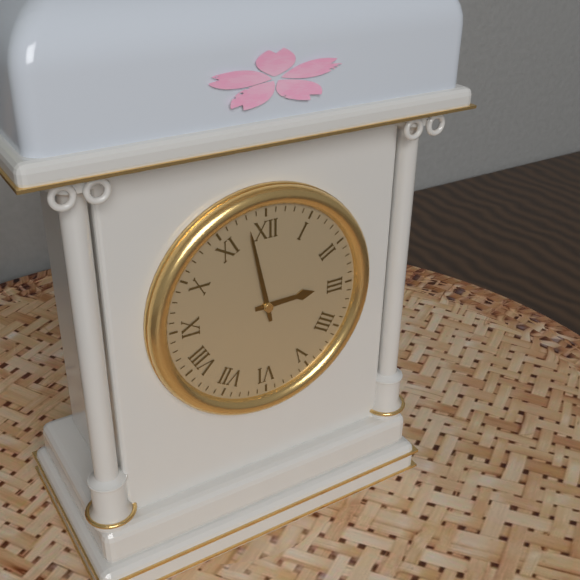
2:58
